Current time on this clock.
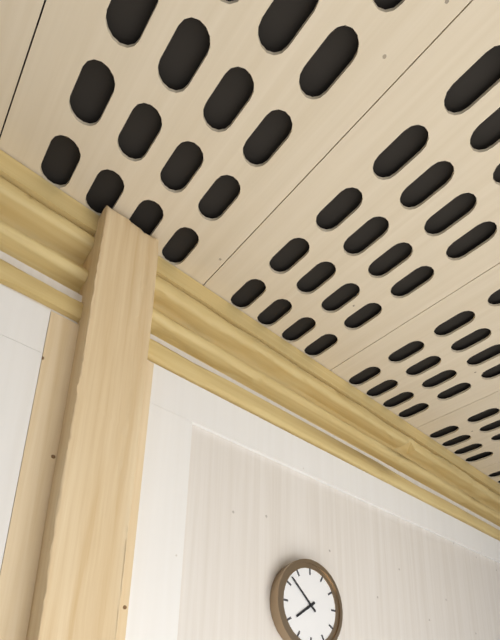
7:52
